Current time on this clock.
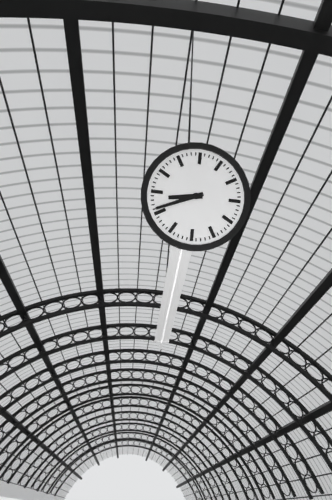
8:41
